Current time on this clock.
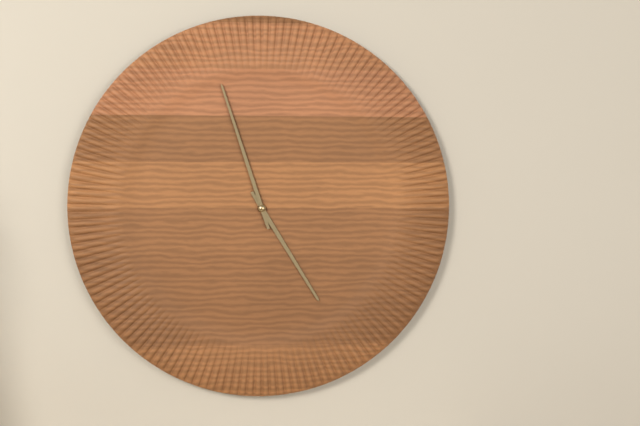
4:57
